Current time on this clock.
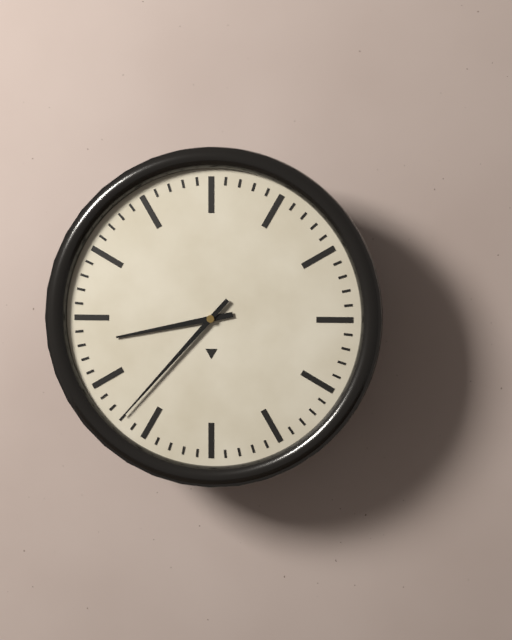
8:37
